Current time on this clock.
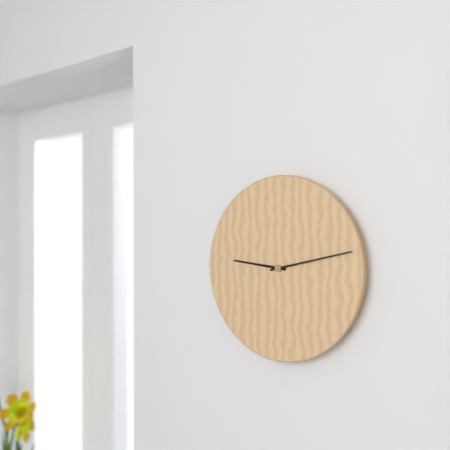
9:13
